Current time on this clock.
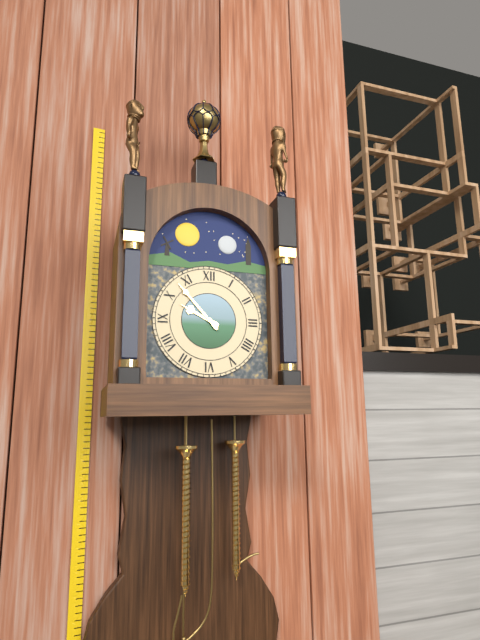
9:53
